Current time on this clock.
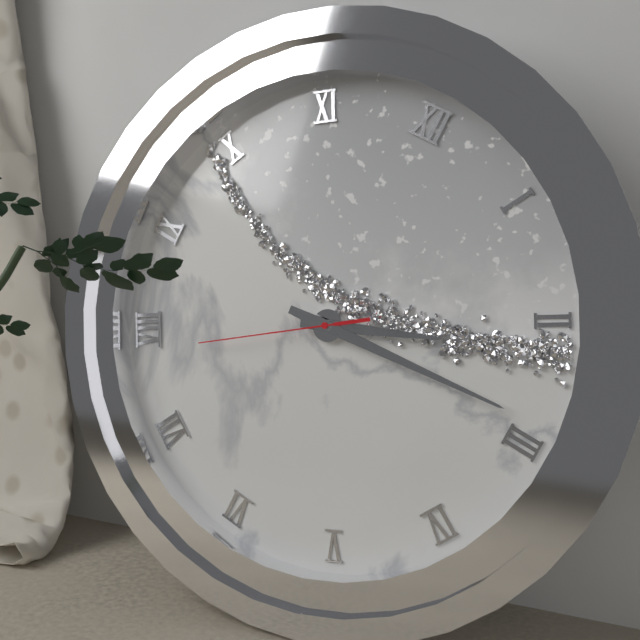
2:14:39
